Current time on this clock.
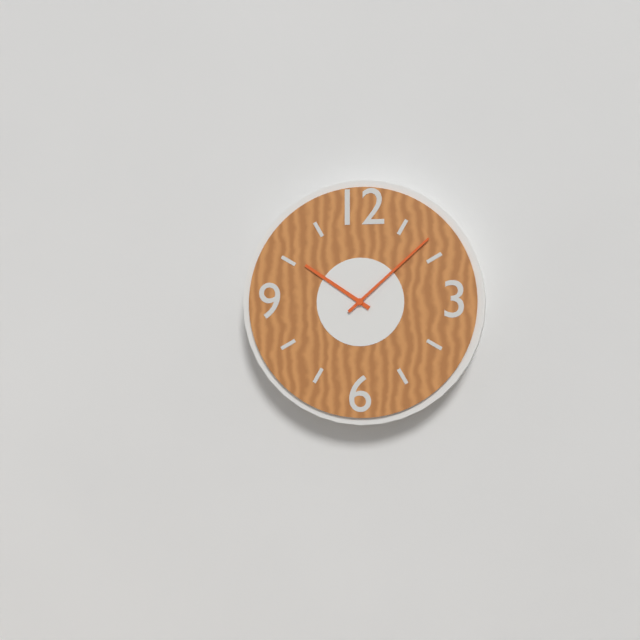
10:08
